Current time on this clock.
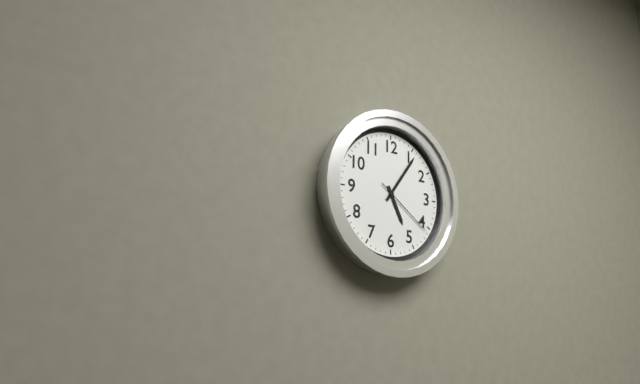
5:06:21
